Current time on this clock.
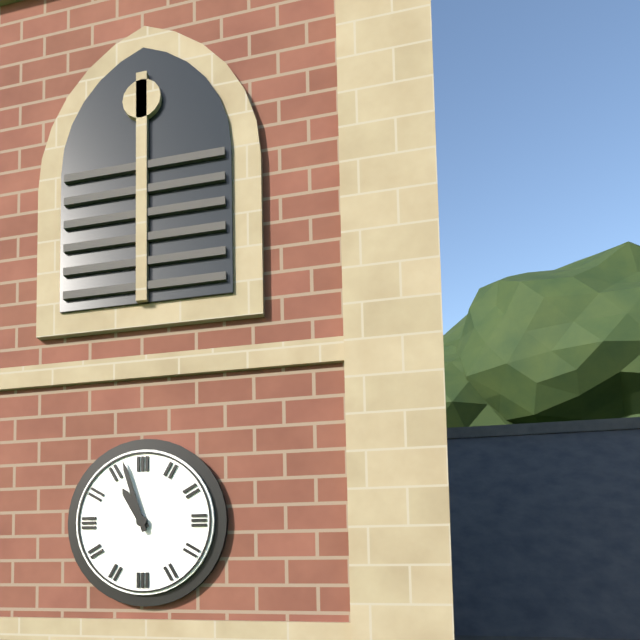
10:57
